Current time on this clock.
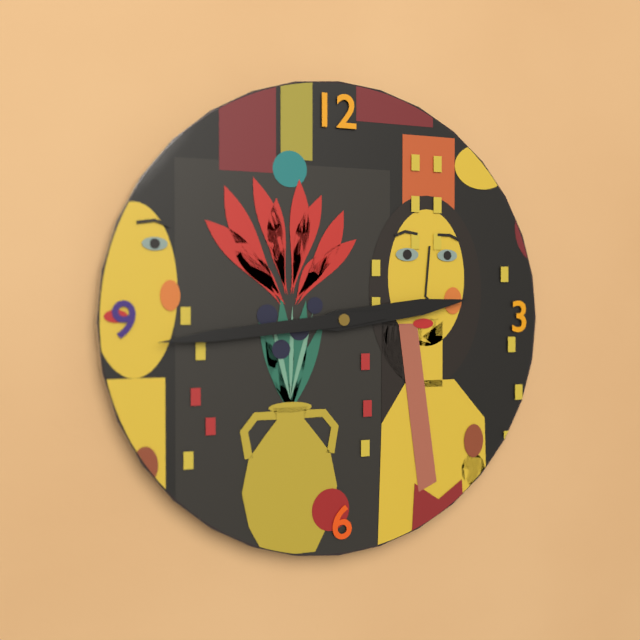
2:44
